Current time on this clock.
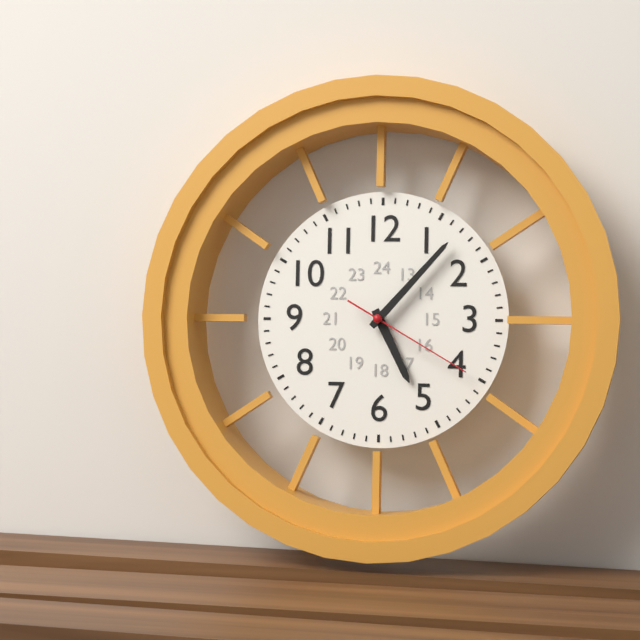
5:07:20
